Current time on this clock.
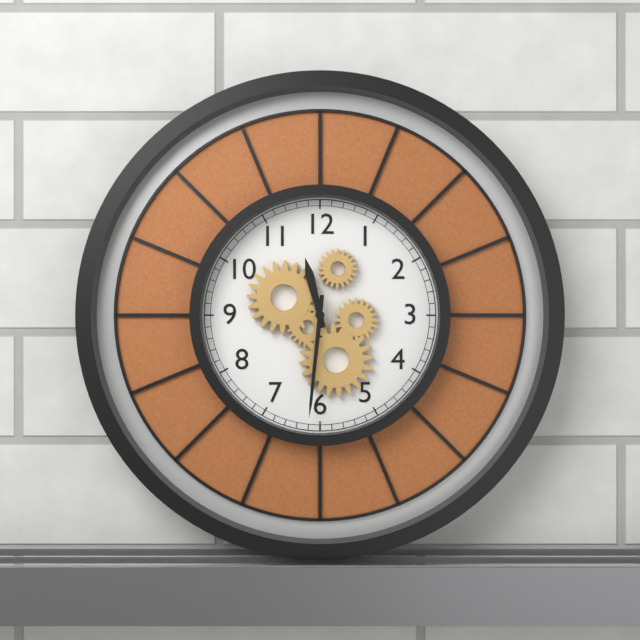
11:31
